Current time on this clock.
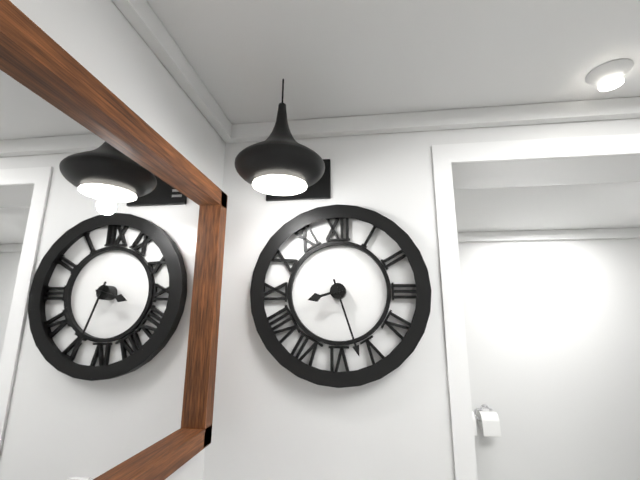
8:27
